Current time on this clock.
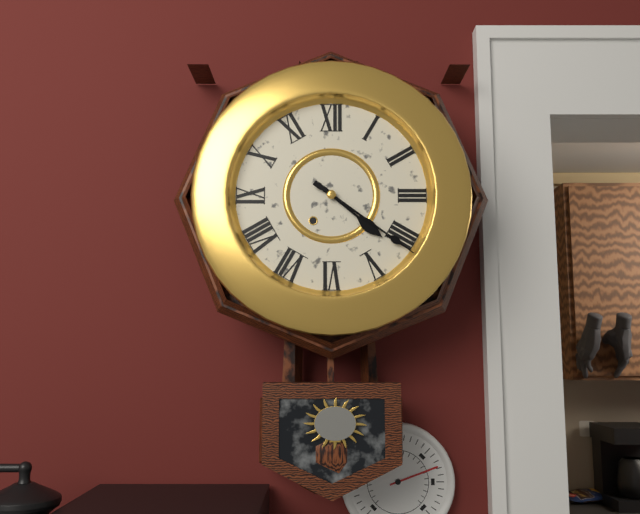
4:21
